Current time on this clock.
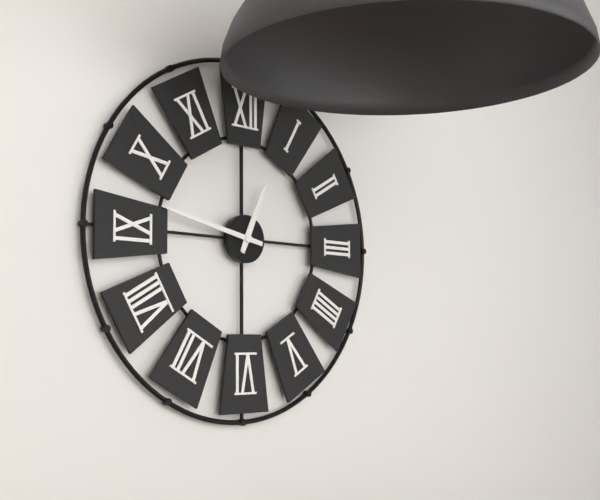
12:47
